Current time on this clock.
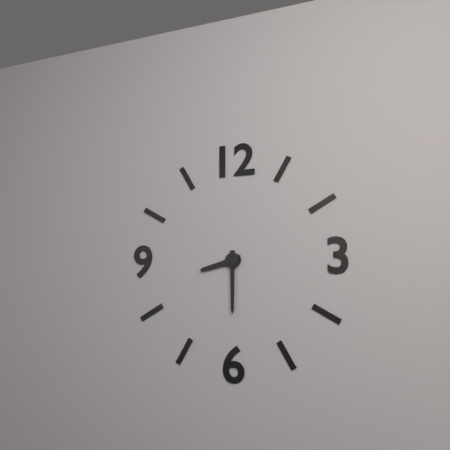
8:30
